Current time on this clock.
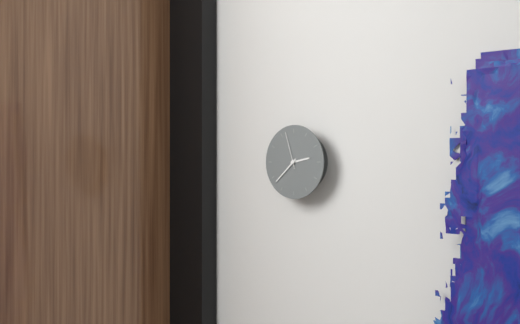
2:38
